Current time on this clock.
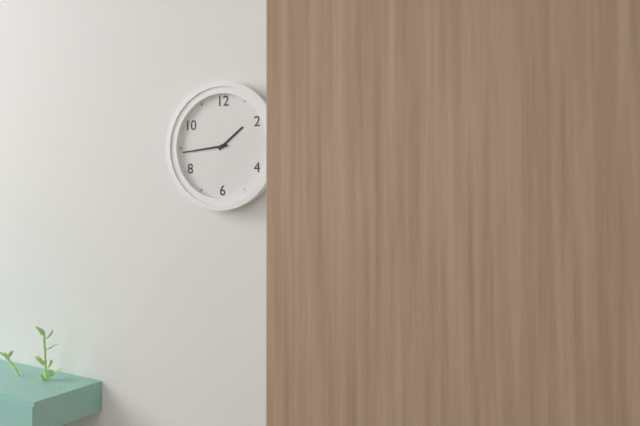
1:44
